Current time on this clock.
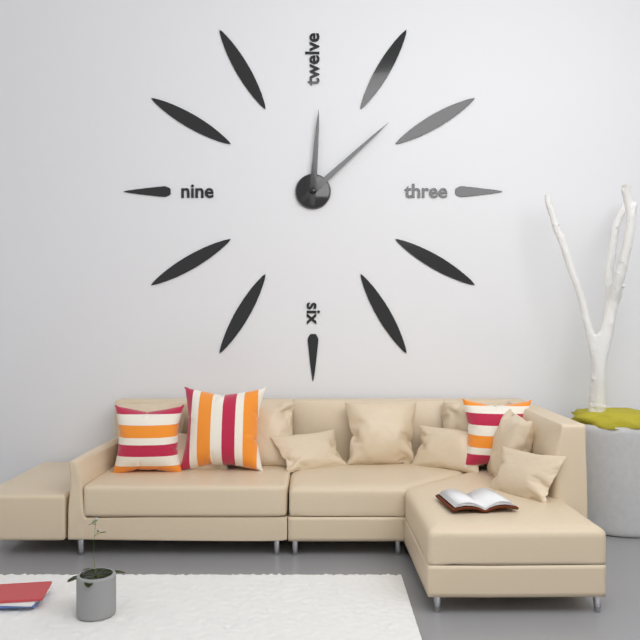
12:08
